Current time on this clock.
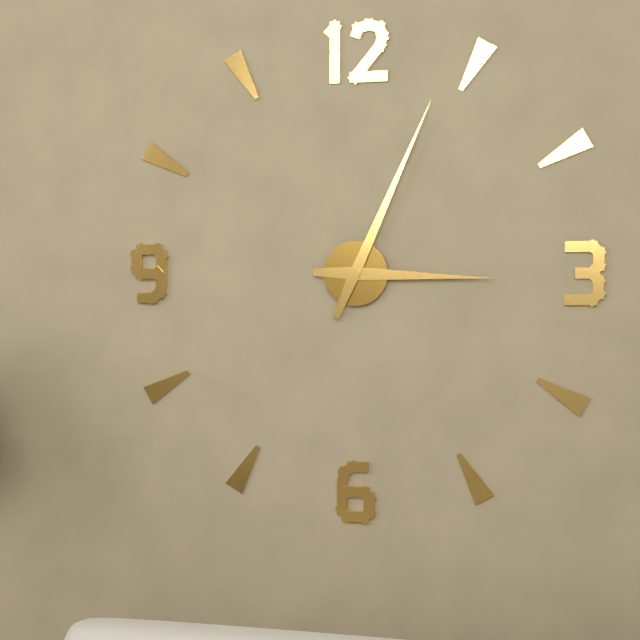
3:04
